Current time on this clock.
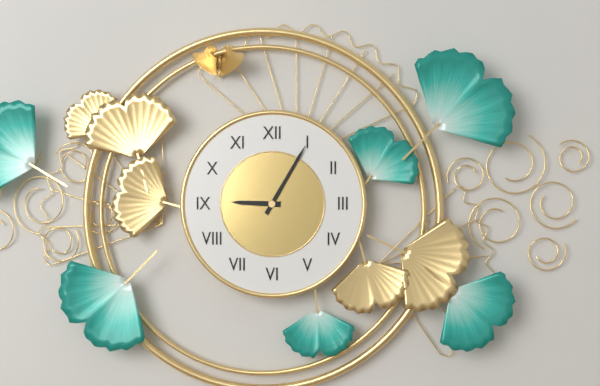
9:05
